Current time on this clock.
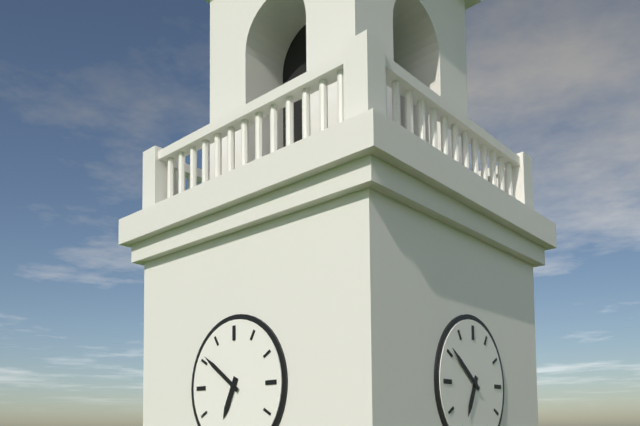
6:51
